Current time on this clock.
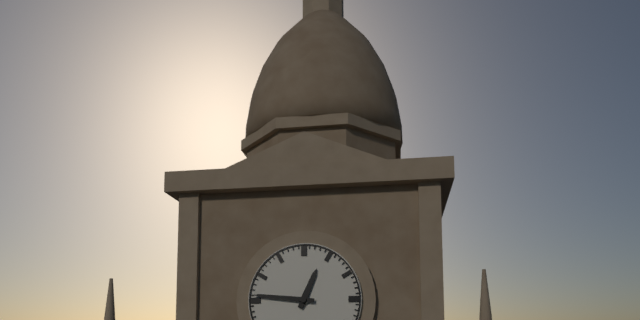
12:46
